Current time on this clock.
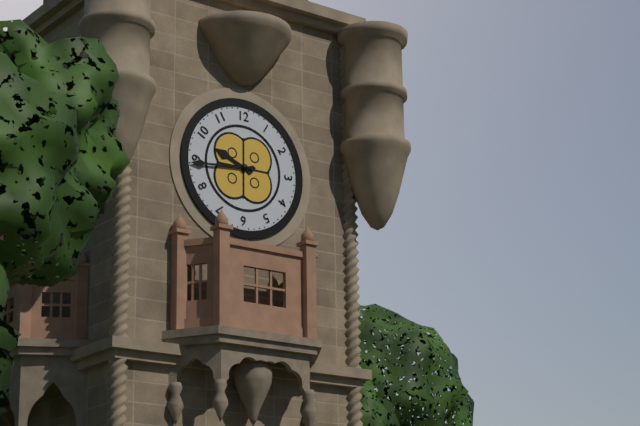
9:44
